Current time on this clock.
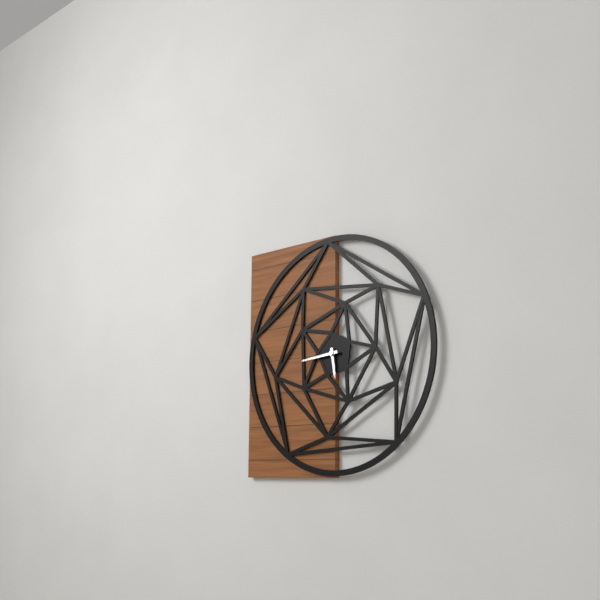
5:44
